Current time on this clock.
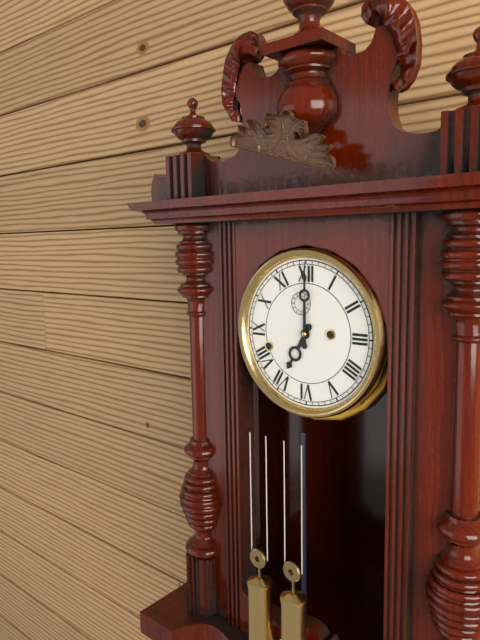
7:00
